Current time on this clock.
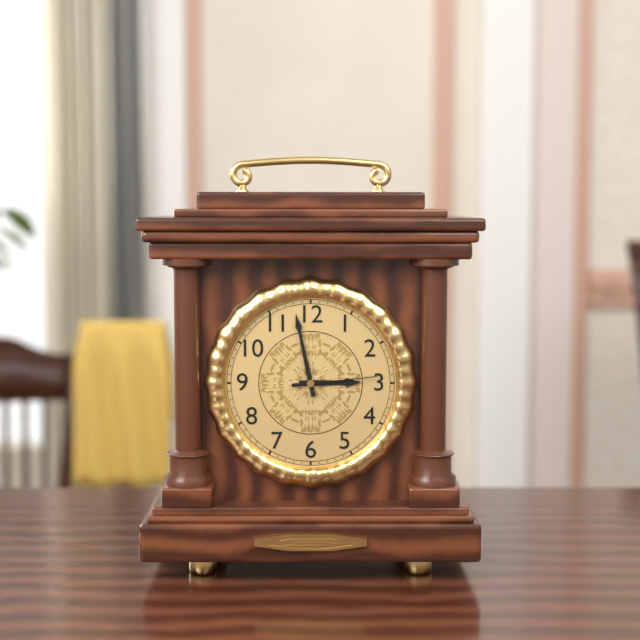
2:58:14
